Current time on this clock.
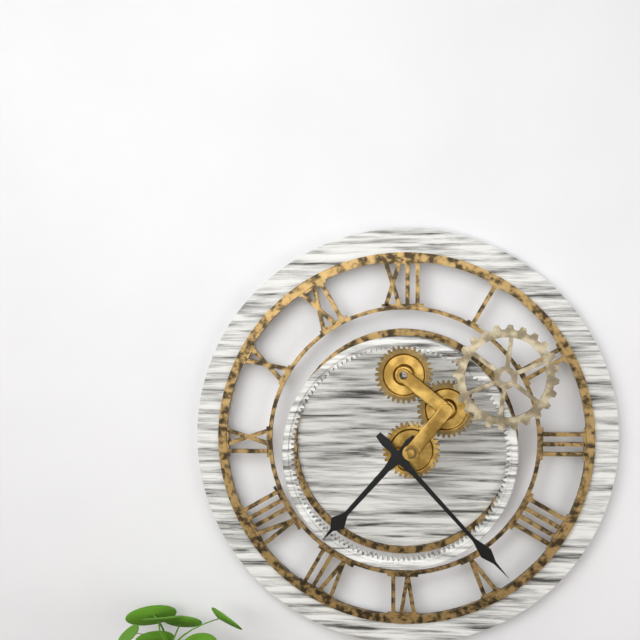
7:23
